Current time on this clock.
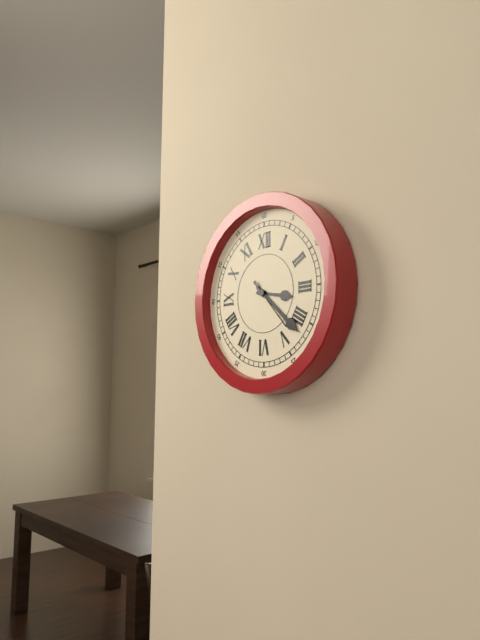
3:22:23
